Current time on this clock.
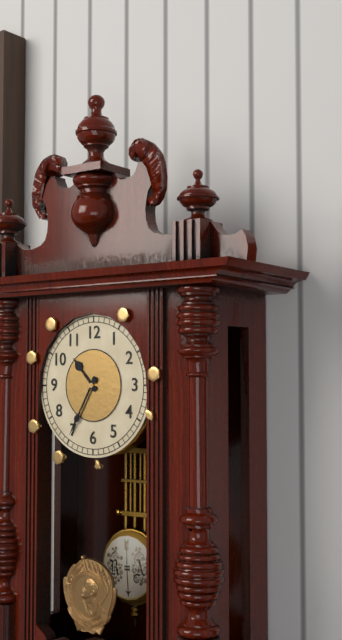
10:35
